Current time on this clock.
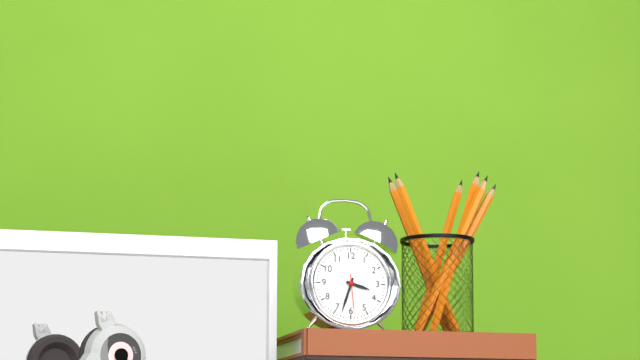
3:33
